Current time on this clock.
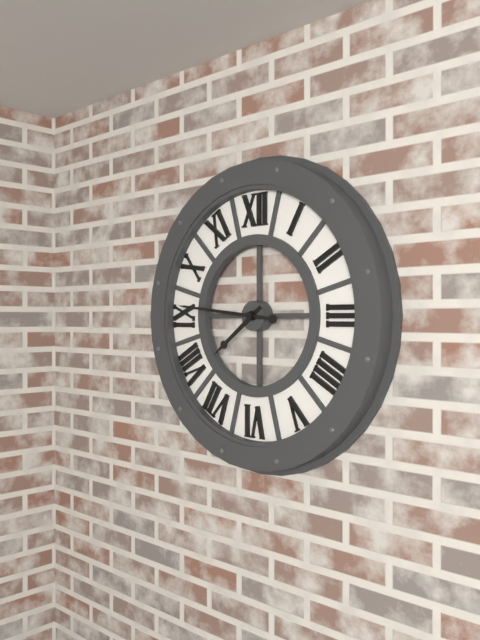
7:46
